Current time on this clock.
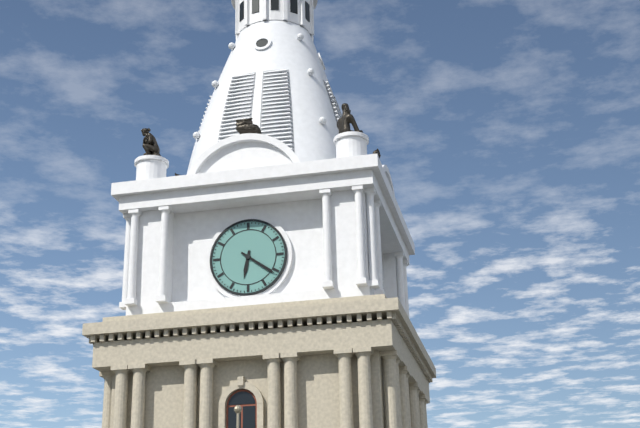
6:21
